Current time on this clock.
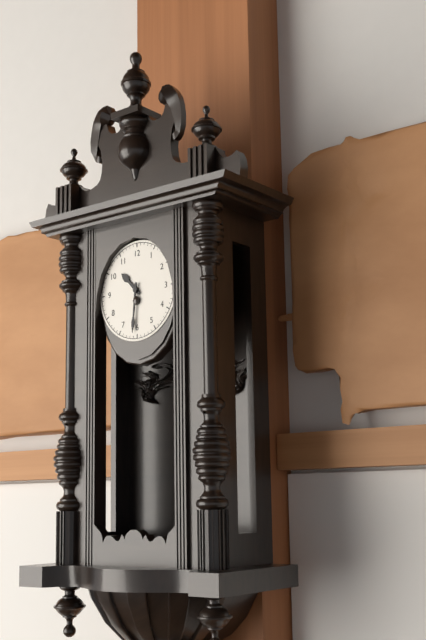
10:31
